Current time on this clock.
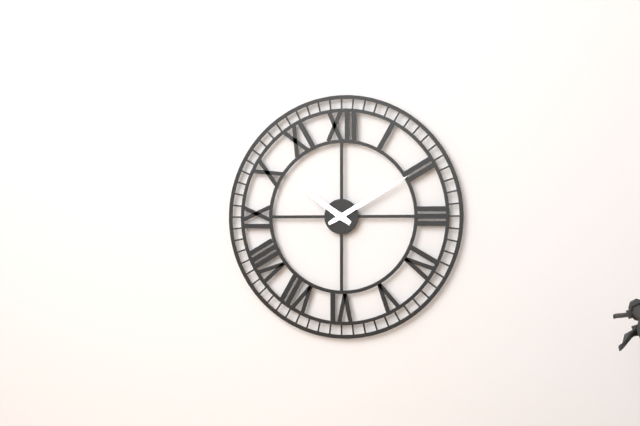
10:10
